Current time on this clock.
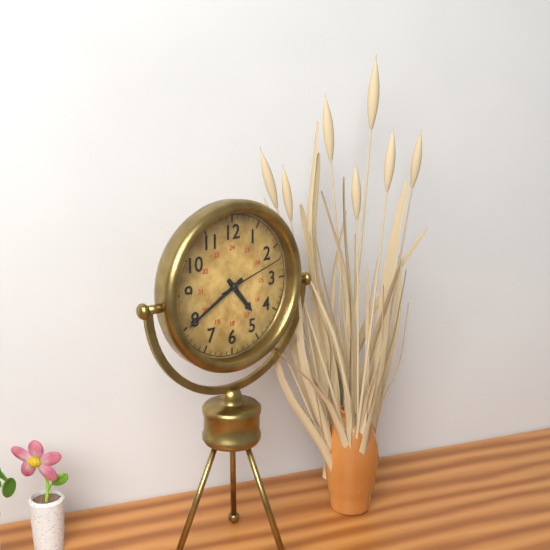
4:40:12
